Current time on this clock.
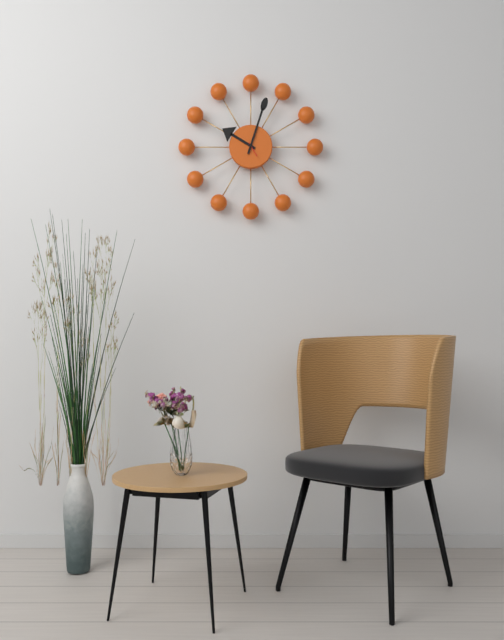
10:03
